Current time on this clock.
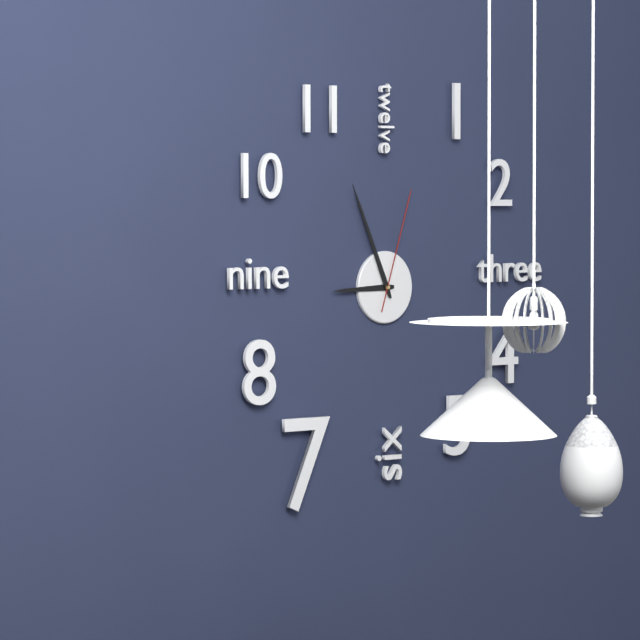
8:56:03
